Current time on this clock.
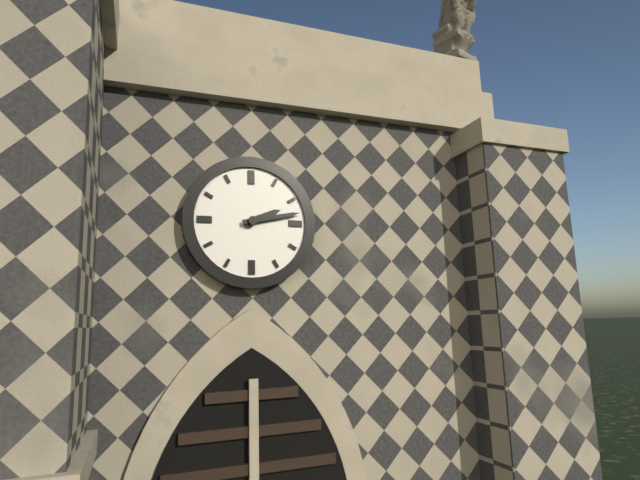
2:13
